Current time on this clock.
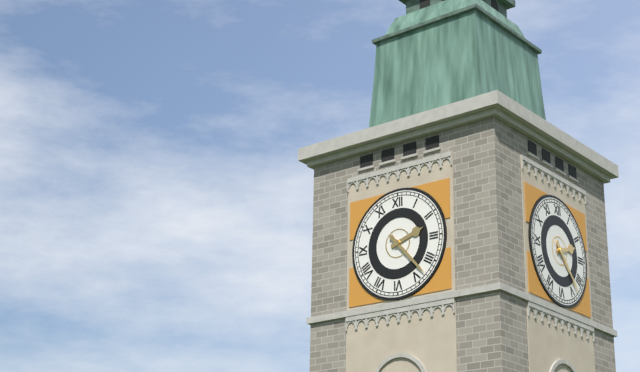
2:23
